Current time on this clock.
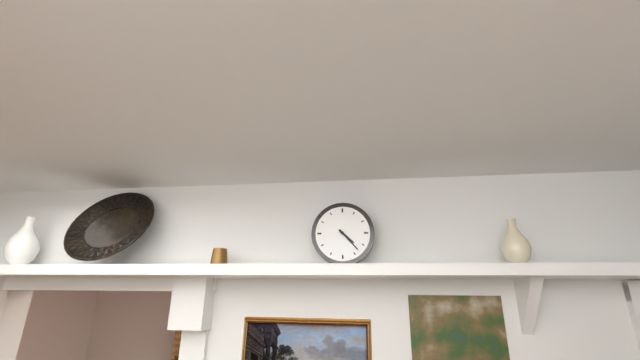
4:23
